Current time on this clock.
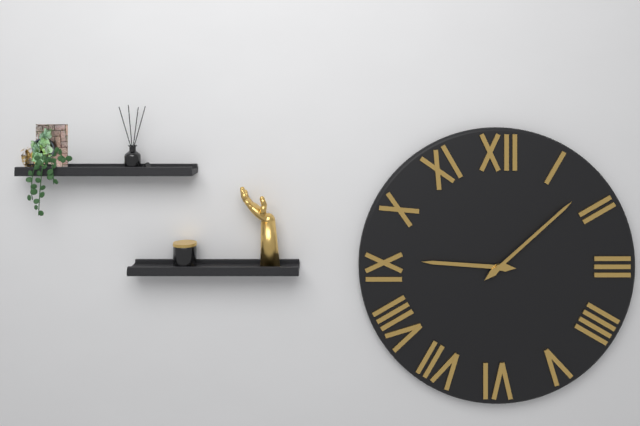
9:08
